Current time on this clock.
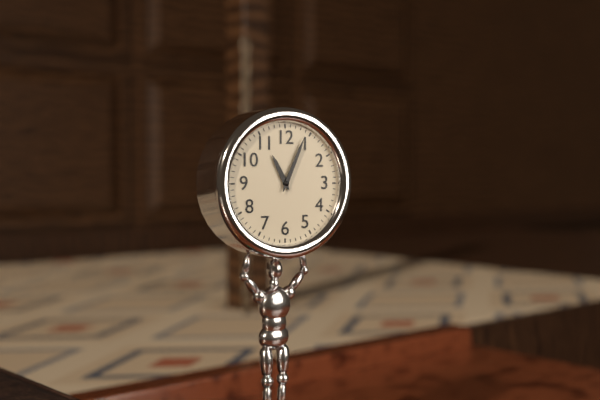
11:04
